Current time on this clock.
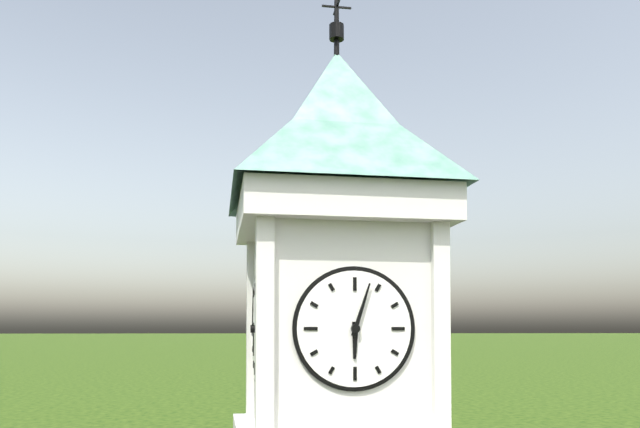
6:03
